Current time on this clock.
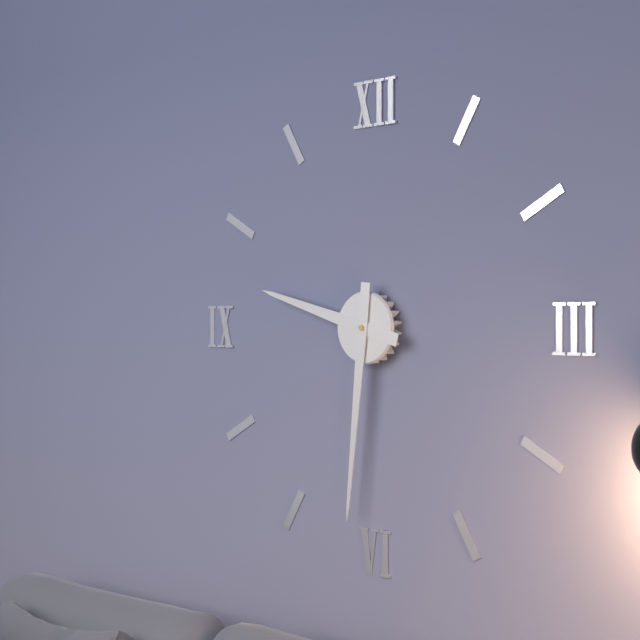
9:31
